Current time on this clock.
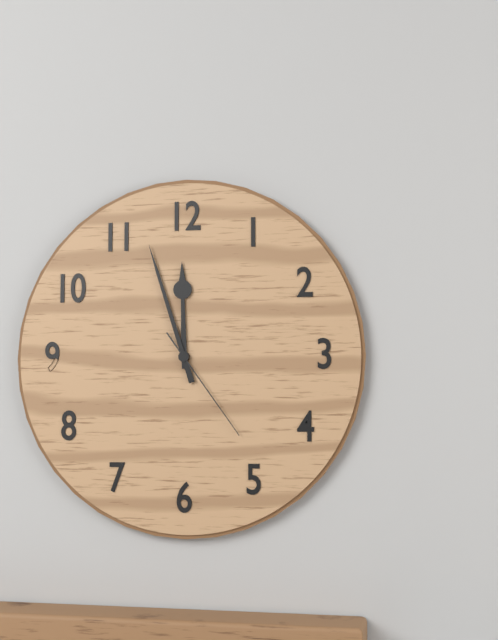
11:57:24
